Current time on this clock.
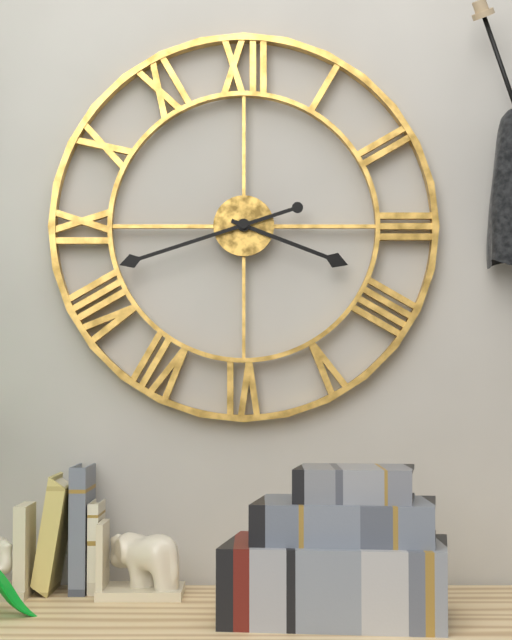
3:42
